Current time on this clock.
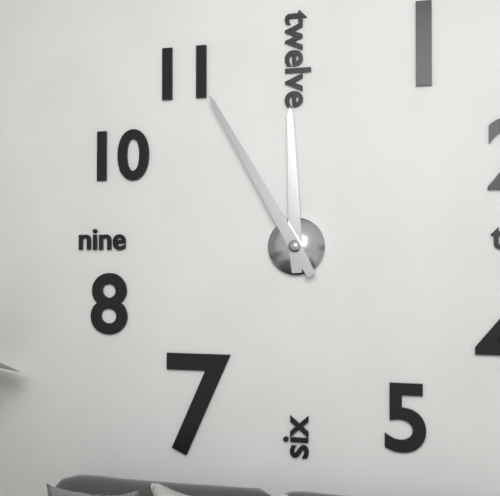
11:55
